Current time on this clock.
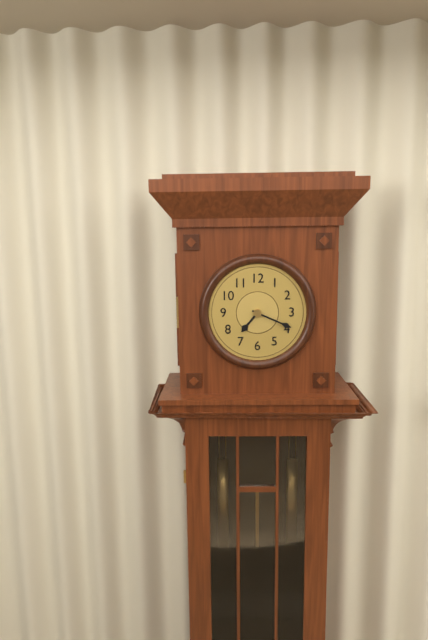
7:19
